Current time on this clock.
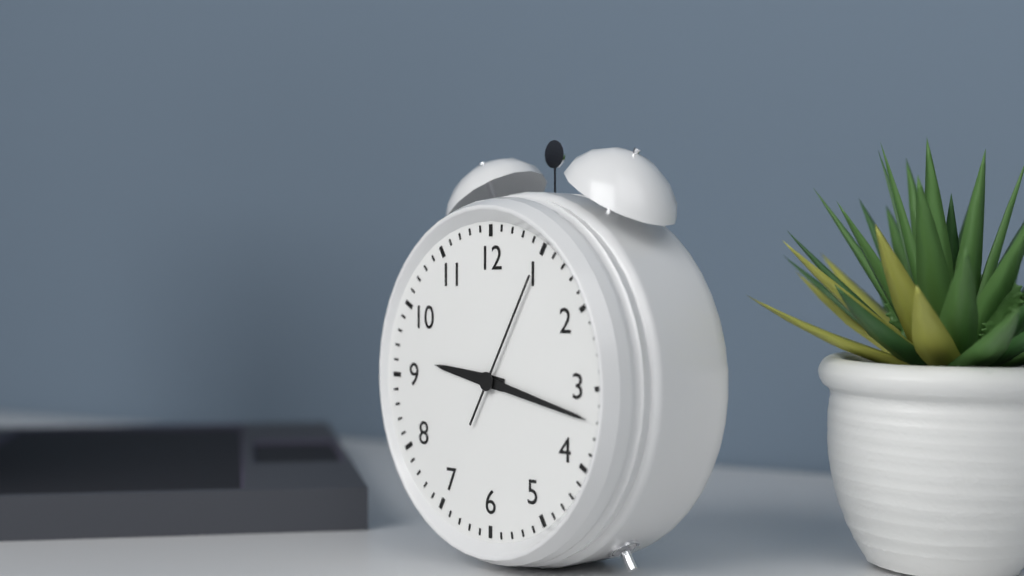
9:17:05
